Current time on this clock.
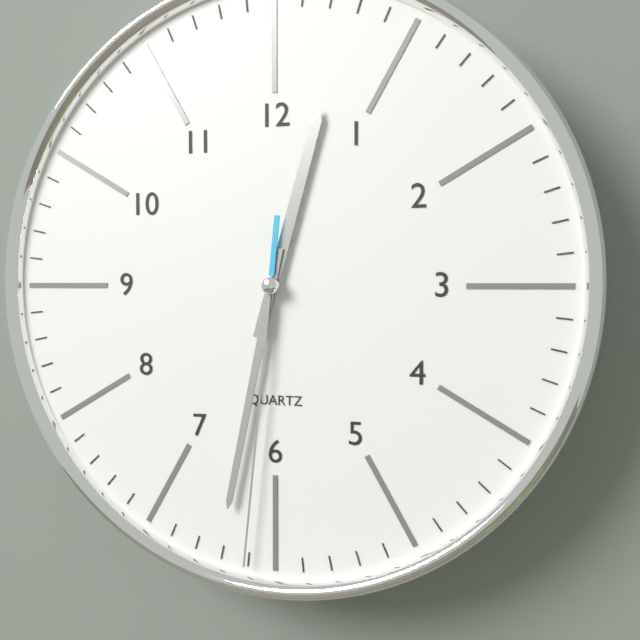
12:32:31
